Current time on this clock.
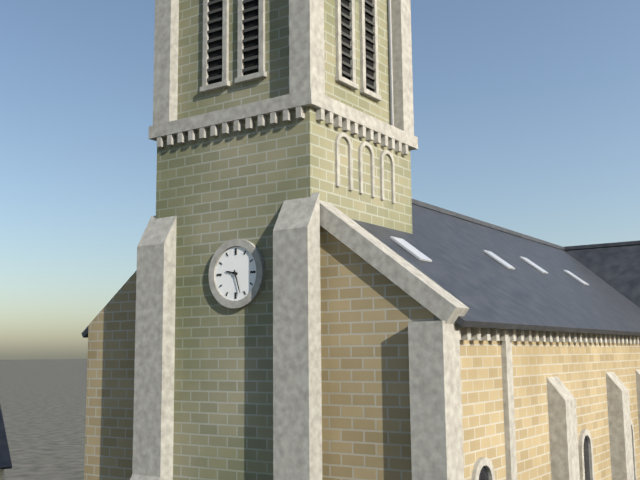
9:27
